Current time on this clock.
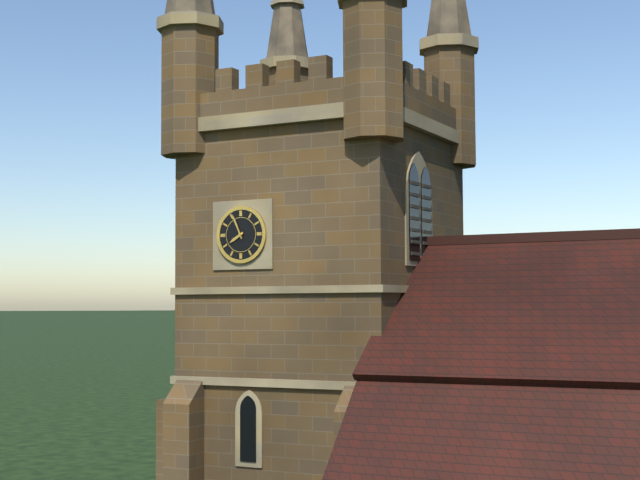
7:56
